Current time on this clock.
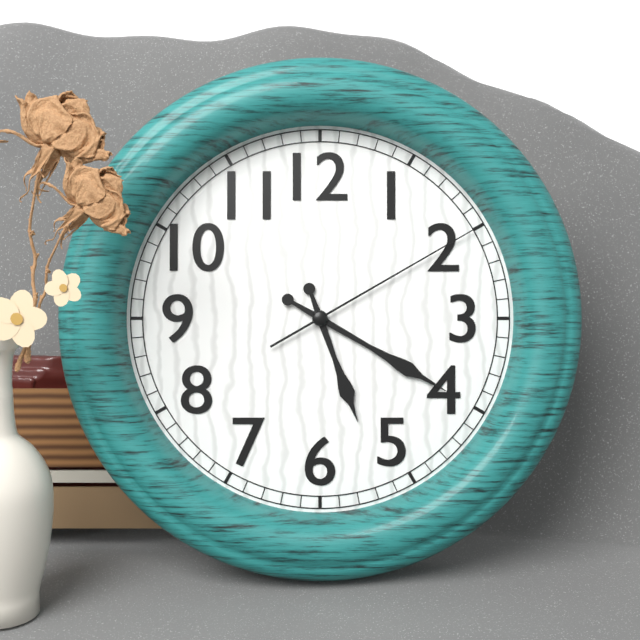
5:20:10
